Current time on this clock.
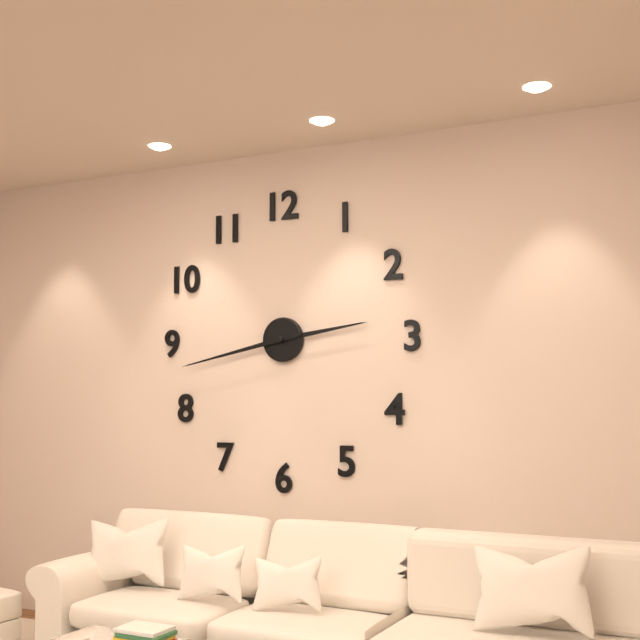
2:43
